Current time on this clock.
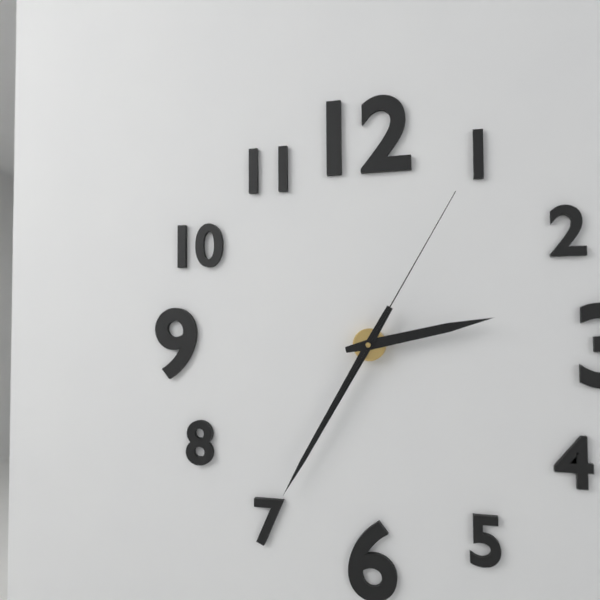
2:35:05
